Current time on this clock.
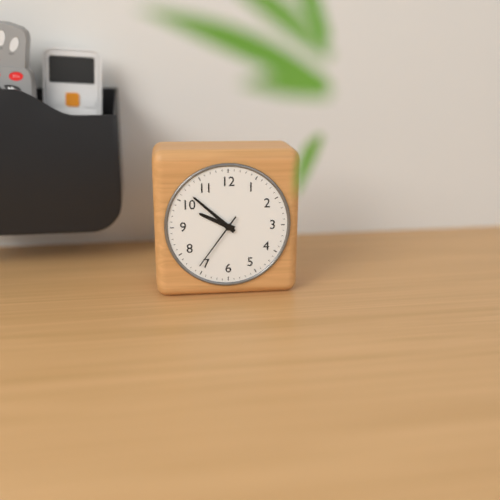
9:52:36
